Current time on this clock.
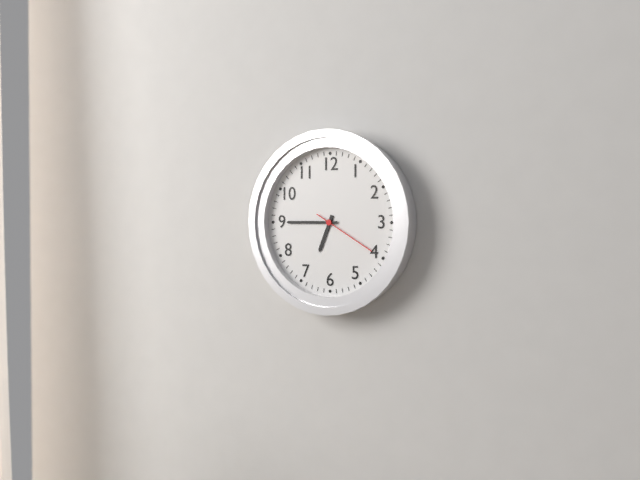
6:45:20
